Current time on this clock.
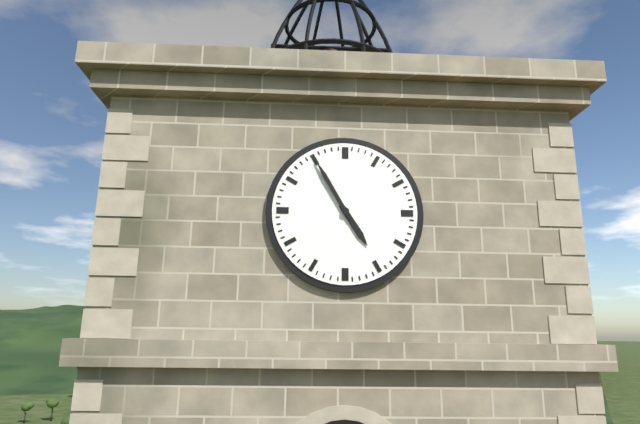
4:55
